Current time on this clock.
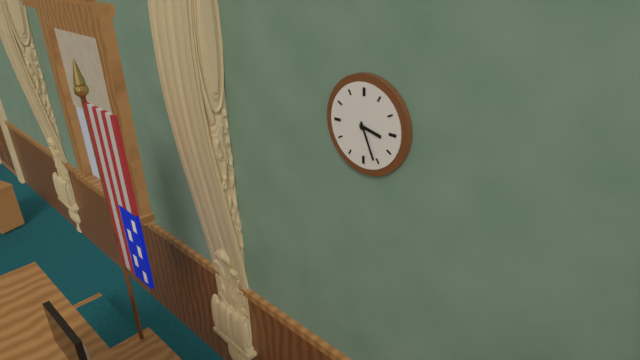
3:26
